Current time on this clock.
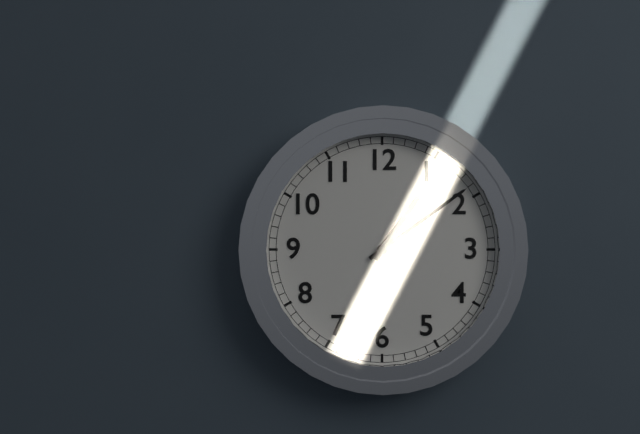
1:09
